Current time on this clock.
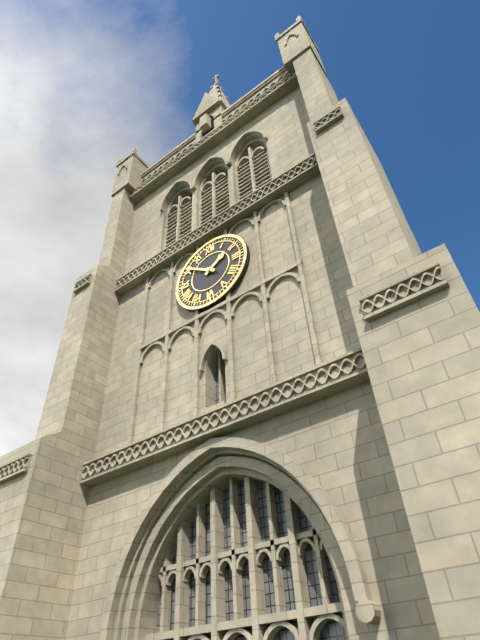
1:51
